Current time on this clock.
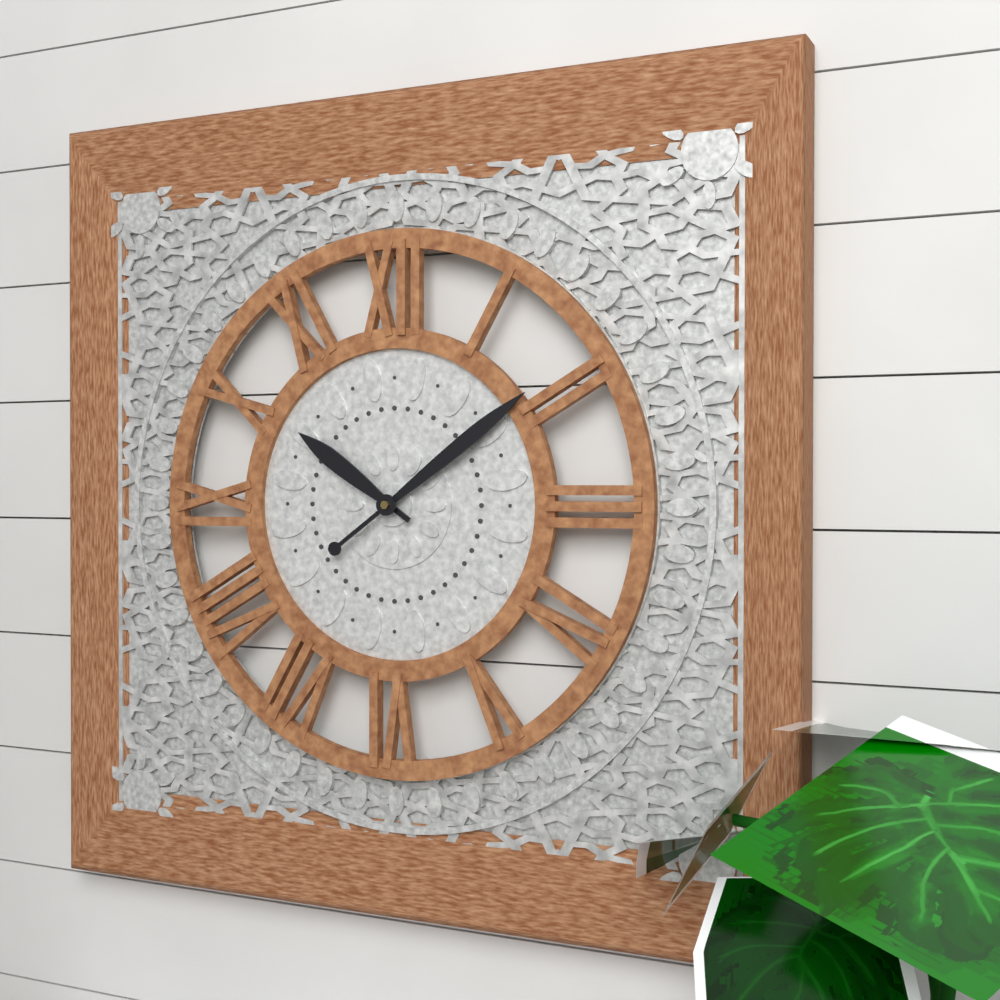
10:09
